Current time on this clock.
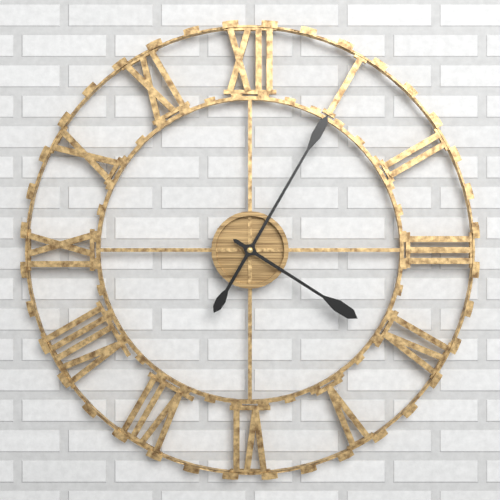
4:05
